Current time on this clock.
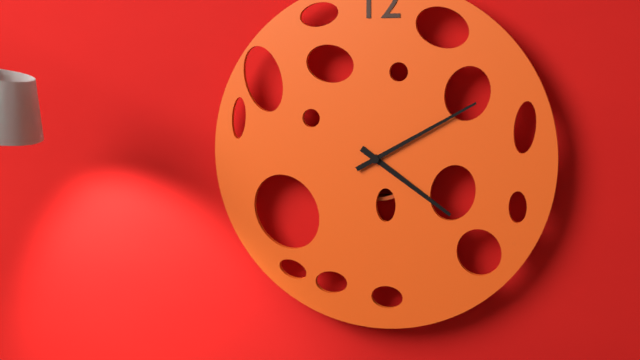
4:10
